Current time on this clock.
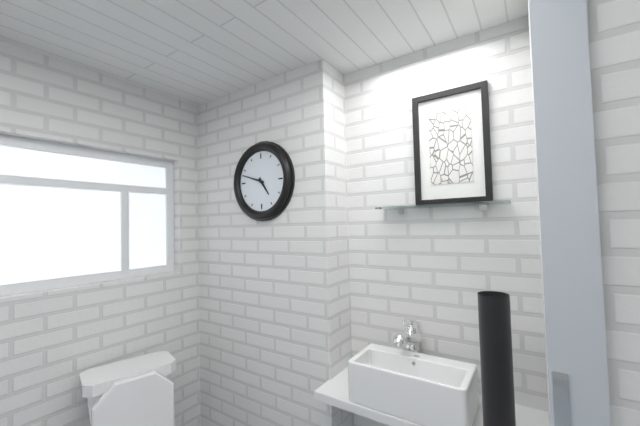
4:48
